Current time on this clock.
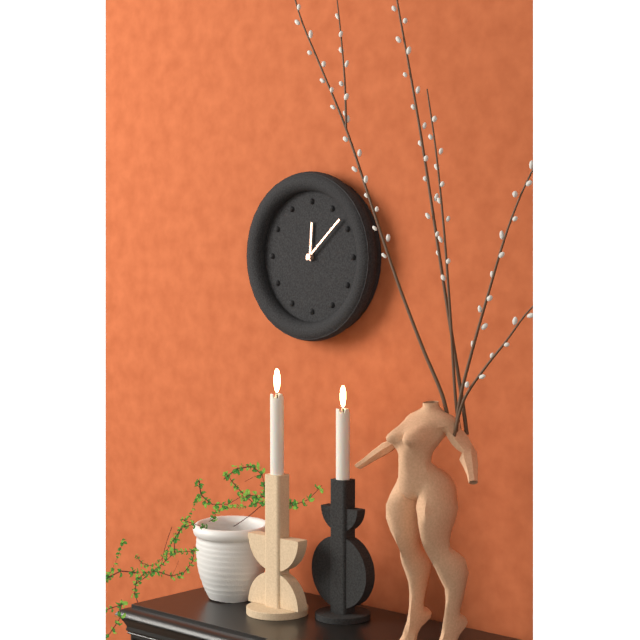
12:08
